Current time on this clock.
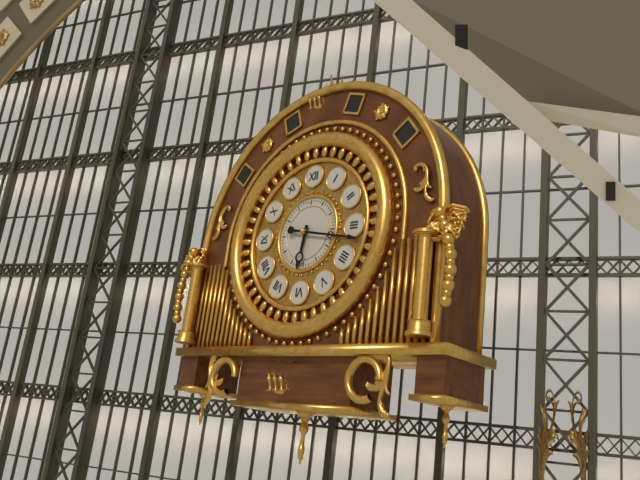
6:17
